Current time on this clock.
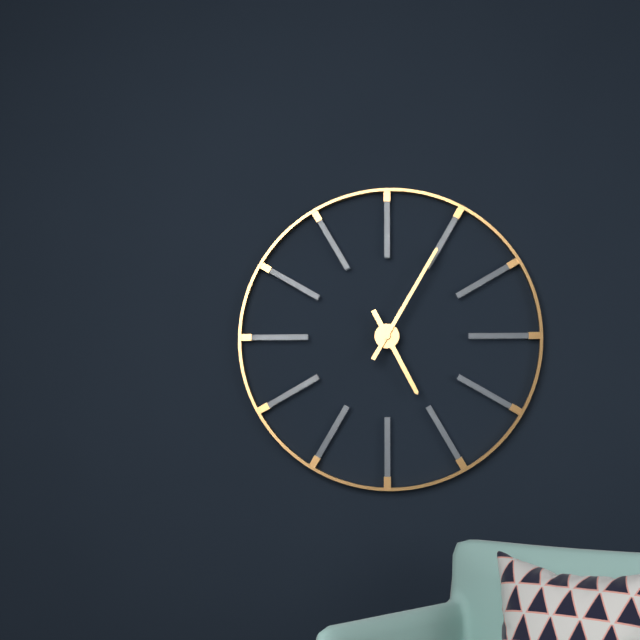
5:05
